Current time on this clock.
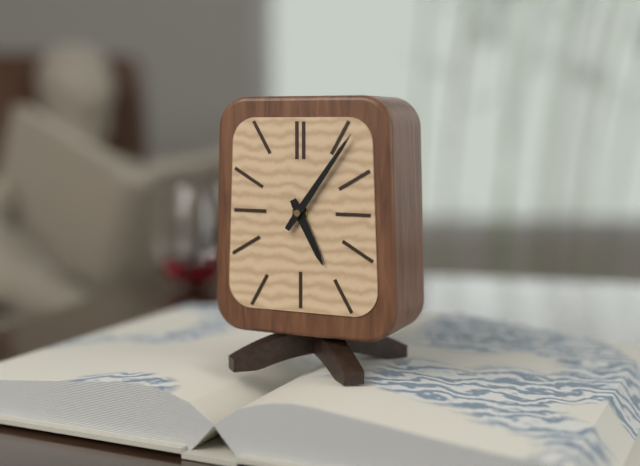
5:06
